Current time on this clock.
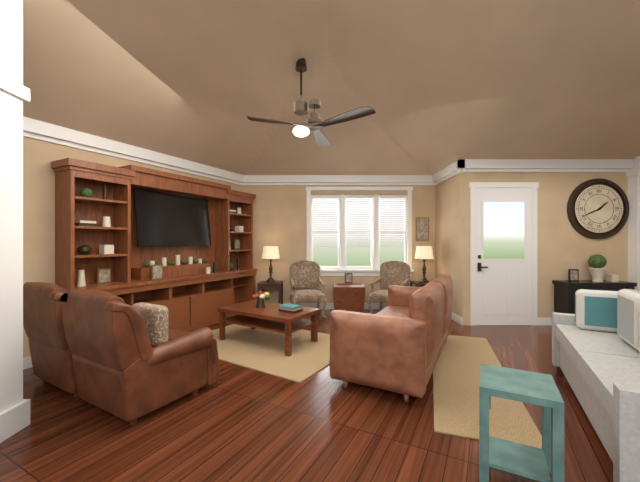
1:41
